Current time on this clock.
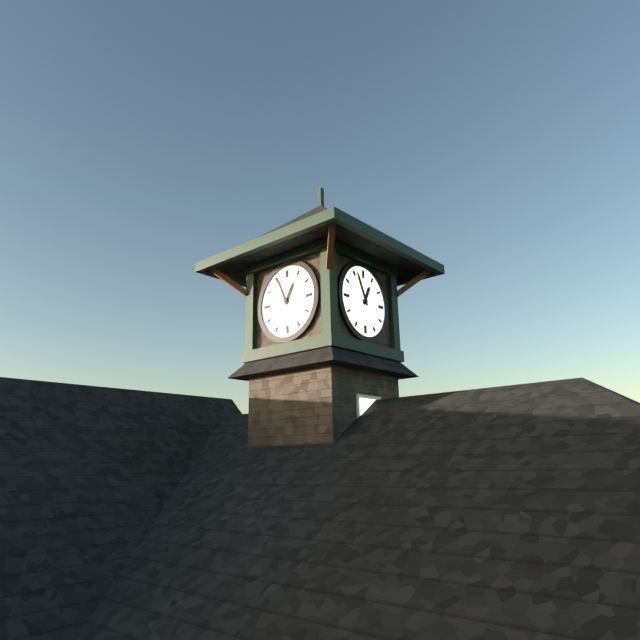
12:56
